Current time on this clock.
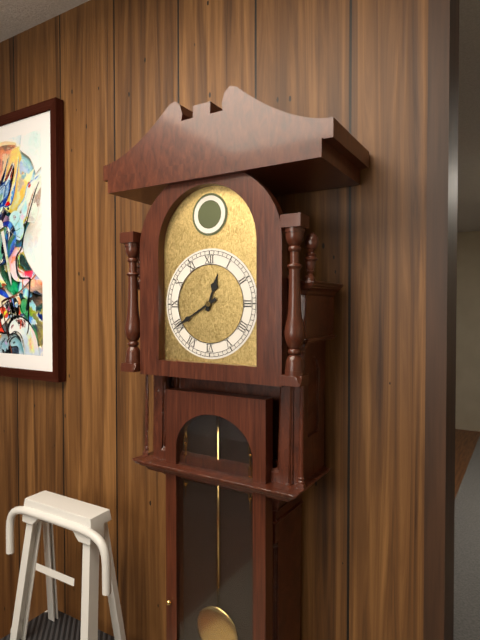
12:40
